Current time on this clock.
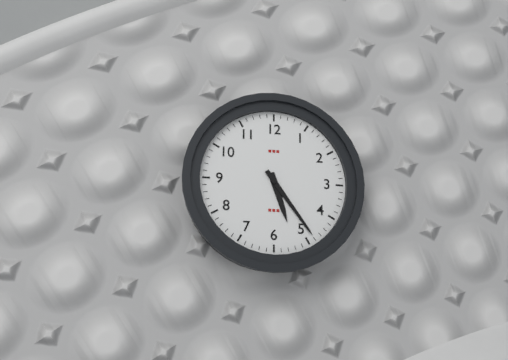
5:24
